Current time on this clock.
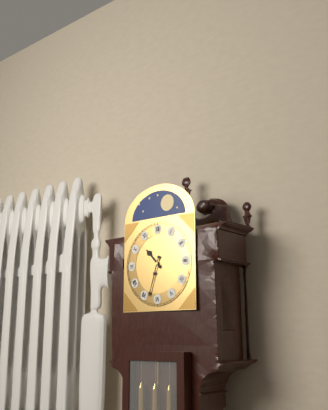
10:33
